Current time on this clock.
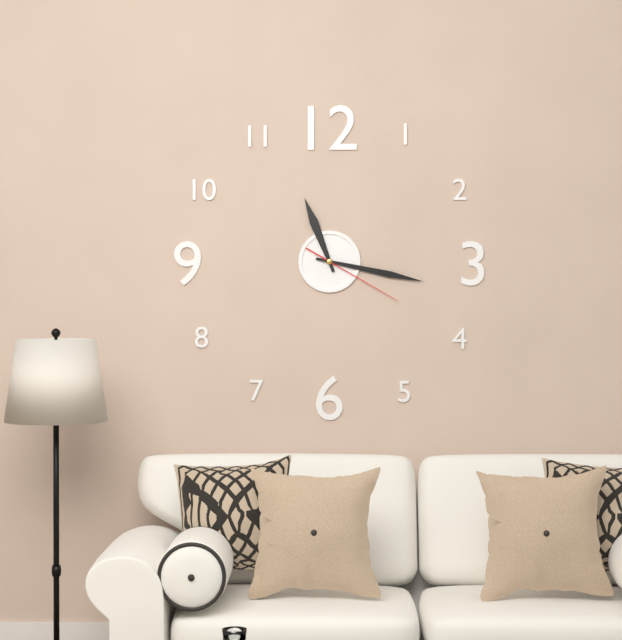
11:17:20
